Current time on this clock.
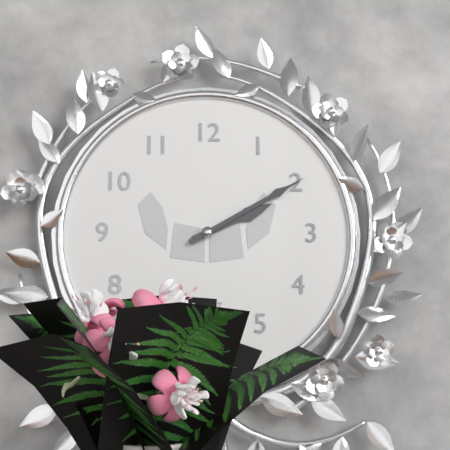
2:10
